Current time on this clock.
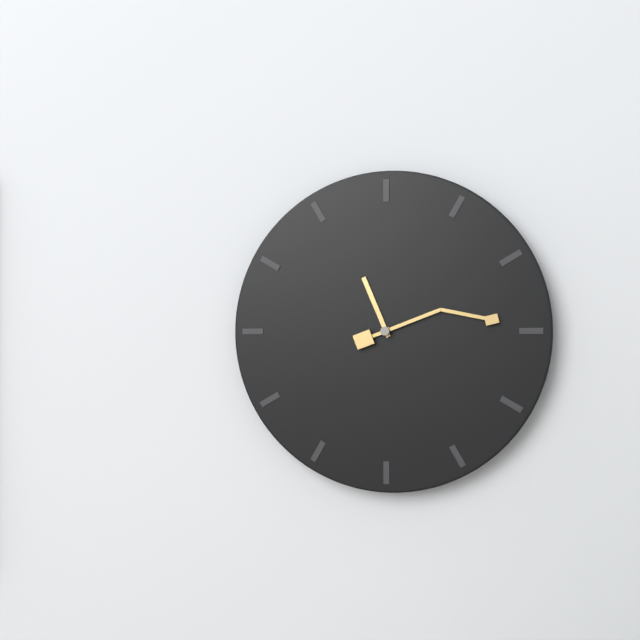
11:14
